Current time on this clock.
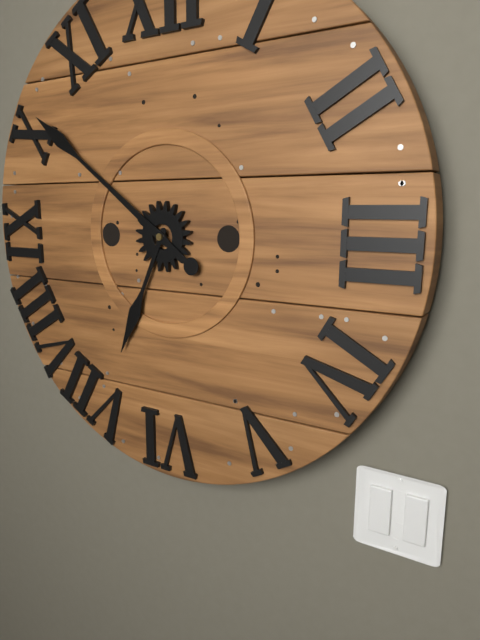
6:51
